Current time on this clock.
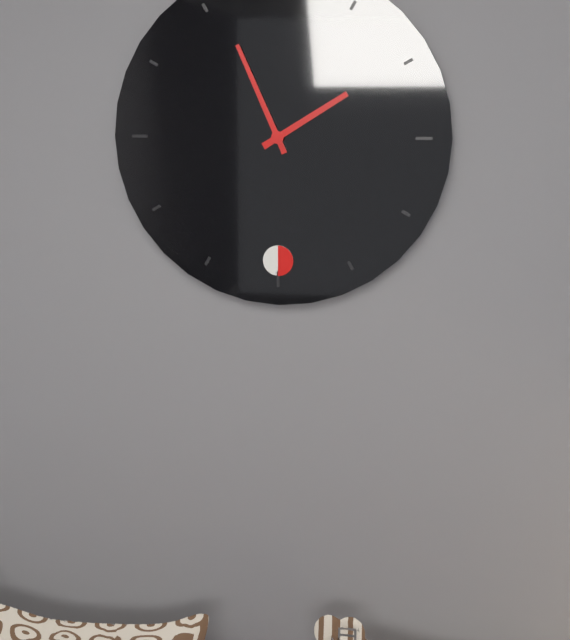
1:56
